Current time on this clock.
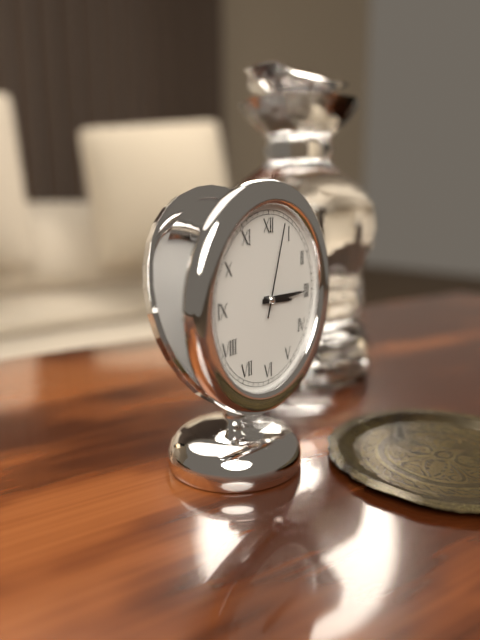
3:15:03
